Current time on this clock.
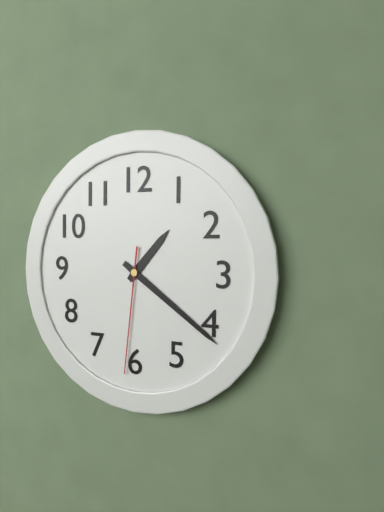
1:21:31
